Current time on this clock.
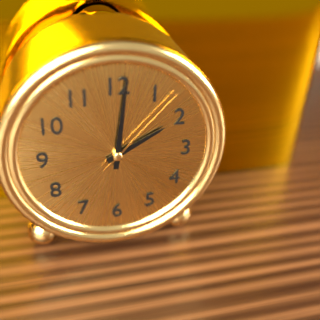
2:01:07
